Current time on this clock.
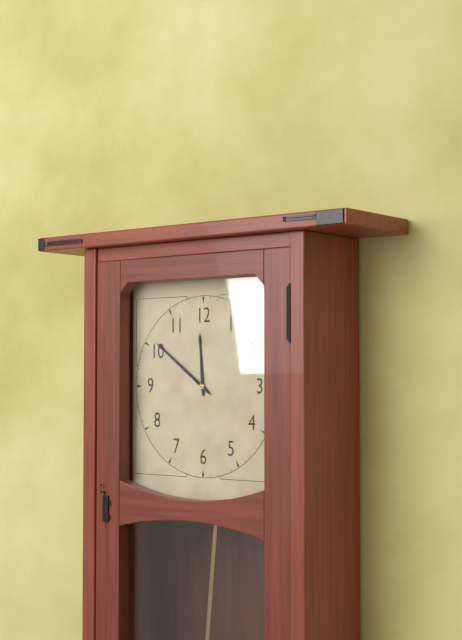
11:51
